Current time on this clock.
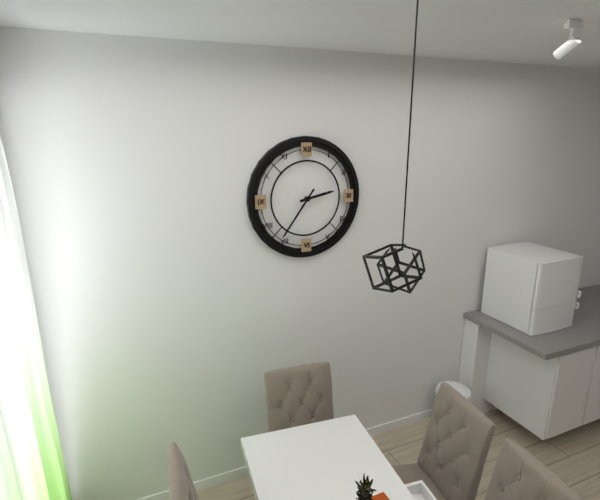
2:36
